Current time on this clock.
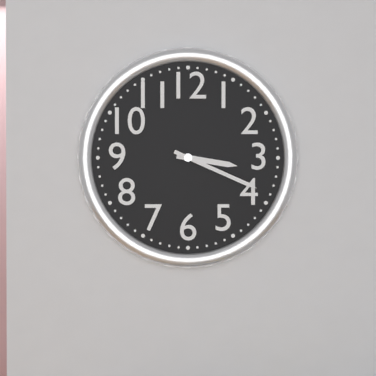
3:19
